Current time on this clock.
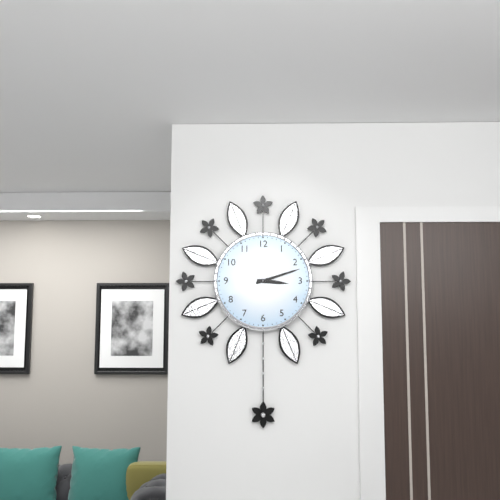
3:12
